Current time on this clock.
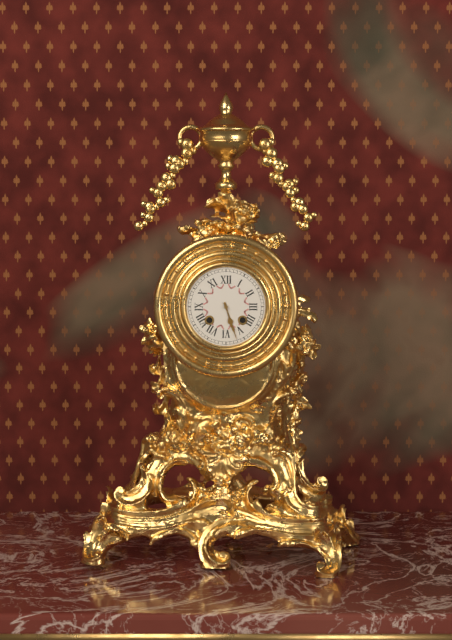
5:27
